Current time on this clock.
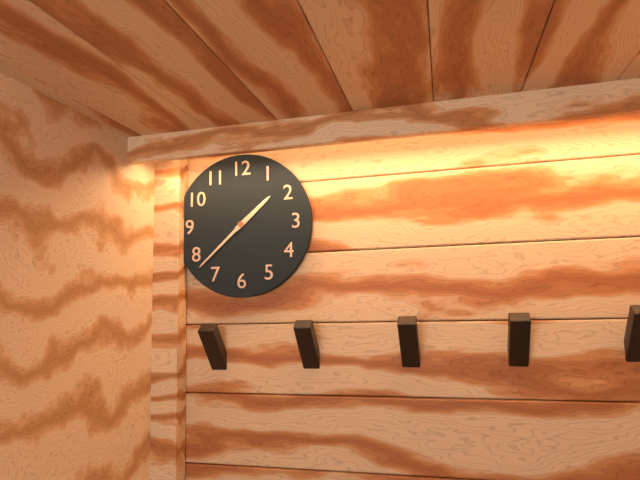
1:38
